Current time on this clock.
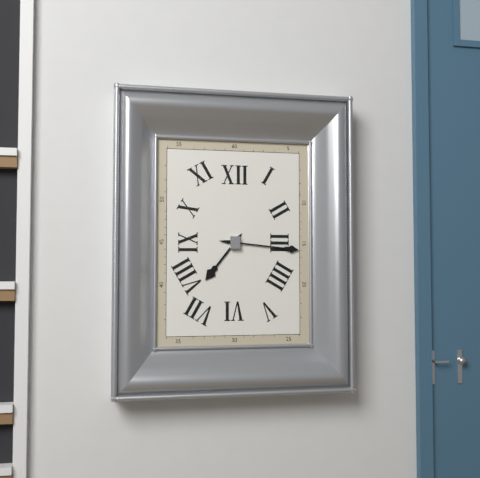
7:16
